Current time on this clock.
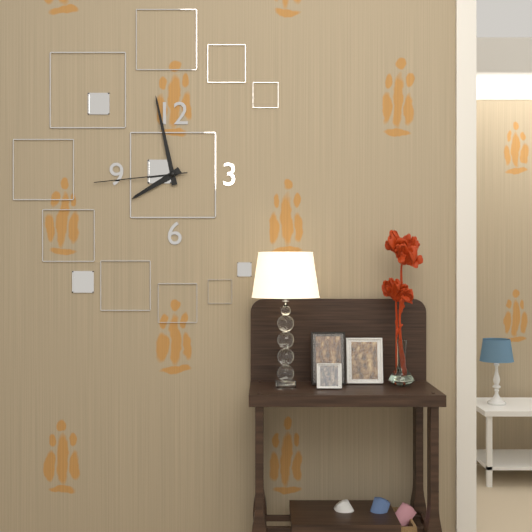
7:58:44
